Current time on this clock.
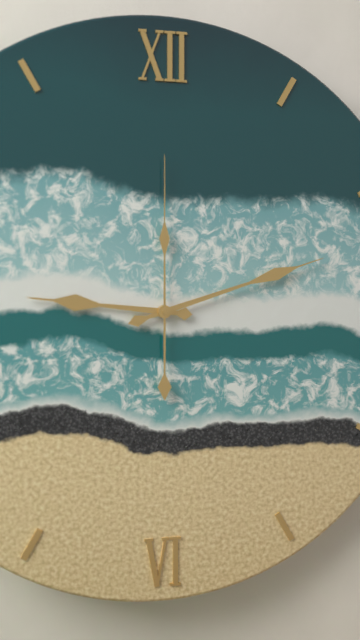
9:12:00
